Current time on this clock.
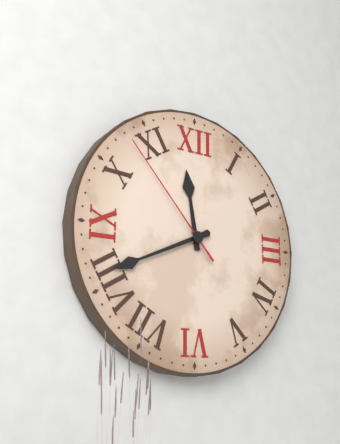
11:41:53
